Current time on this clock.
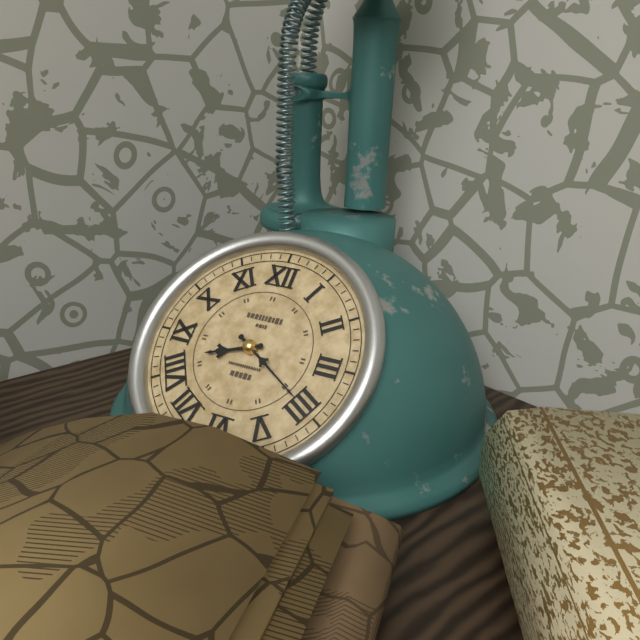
8:20
